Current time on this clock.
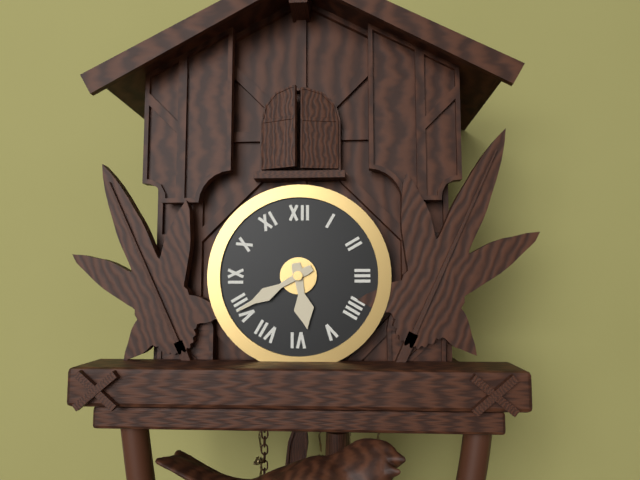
5:40
